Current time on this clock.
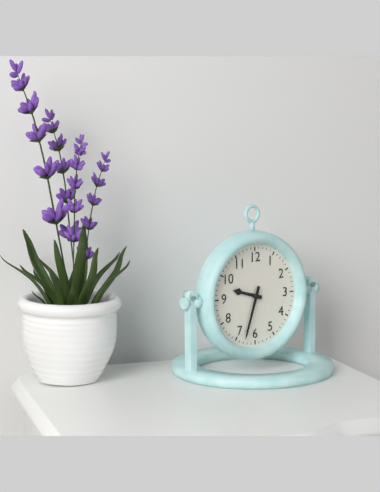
9:33
